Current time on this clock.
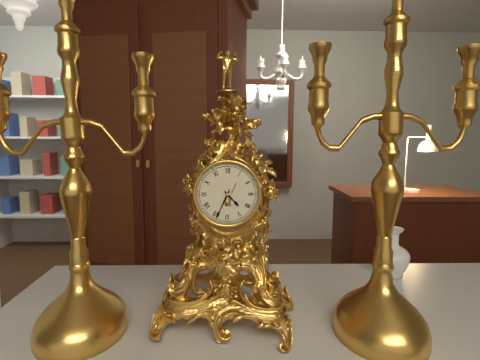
4:34
